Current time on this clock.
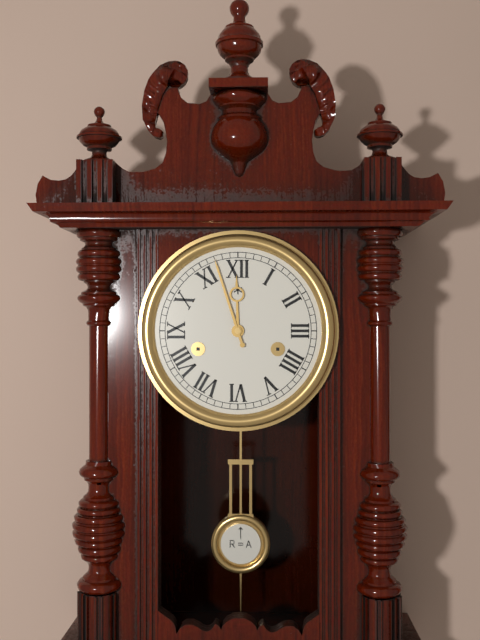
11:57
